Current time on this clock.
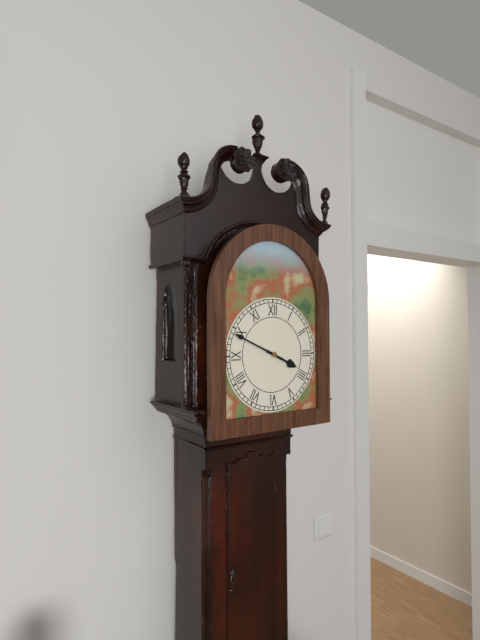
3:49
